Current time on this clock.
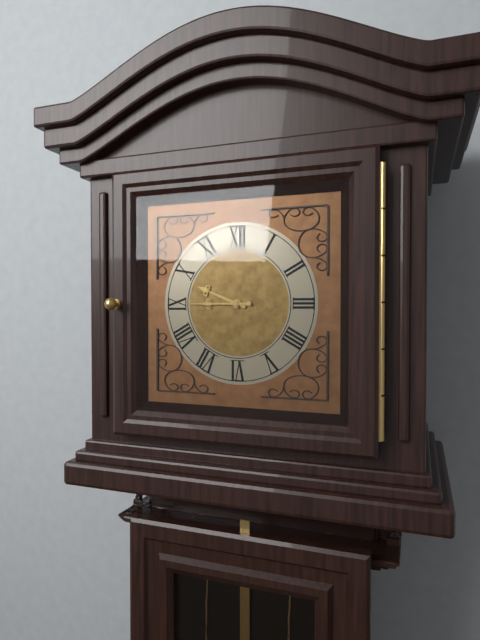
9:45
